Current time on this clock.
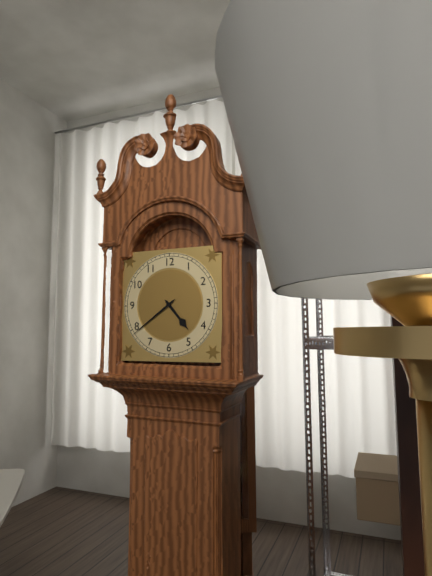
4:39
